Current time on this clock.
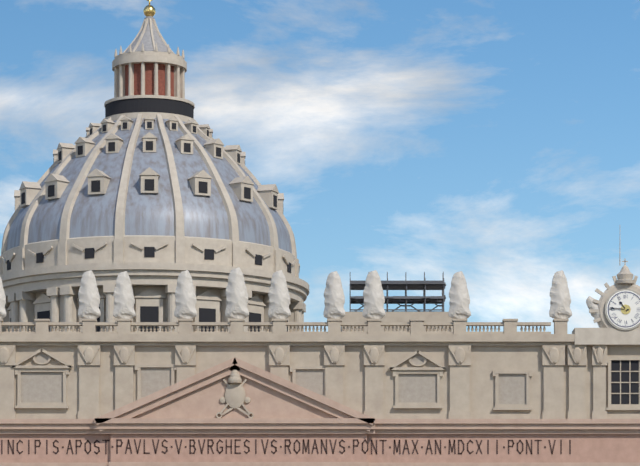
10:46
